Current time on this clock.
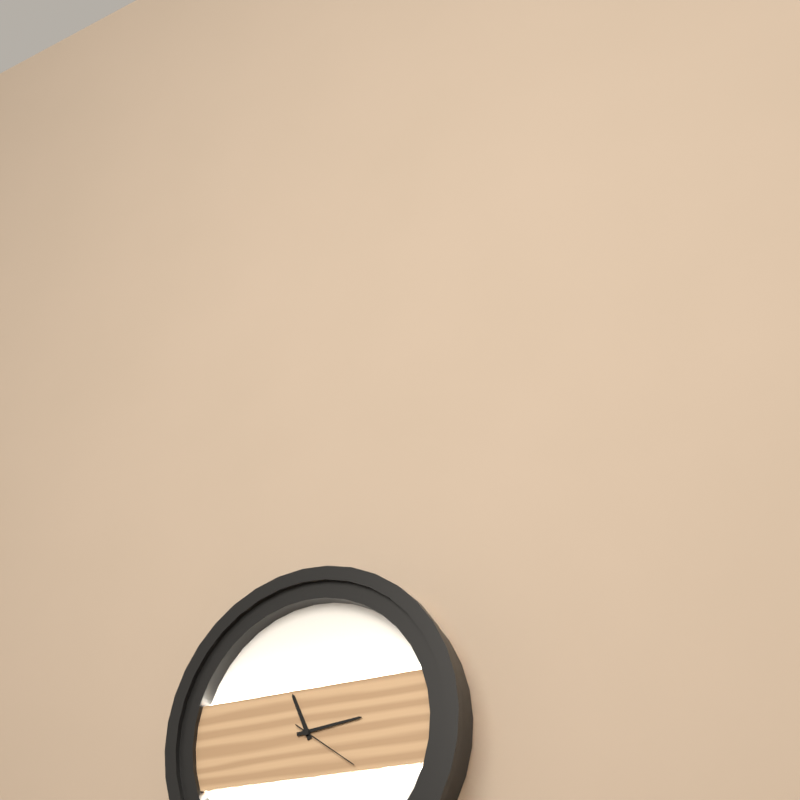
11:14:21
